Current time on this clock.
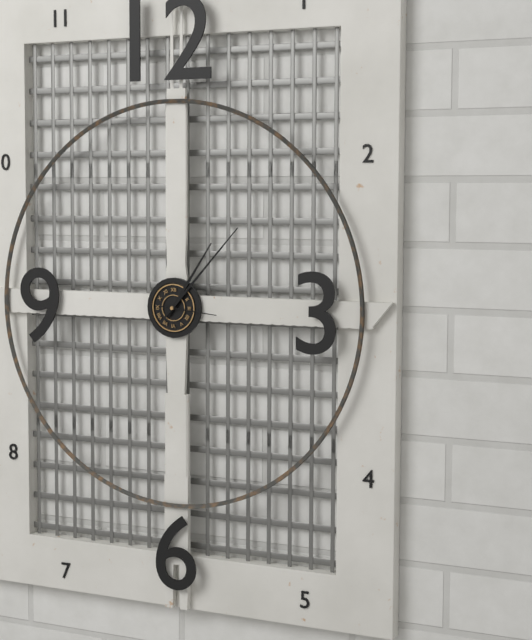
1:07
